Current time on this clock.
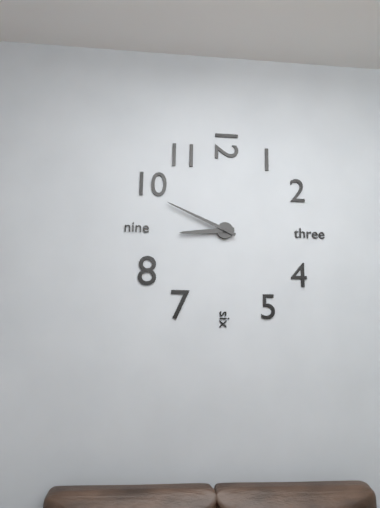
8:49
